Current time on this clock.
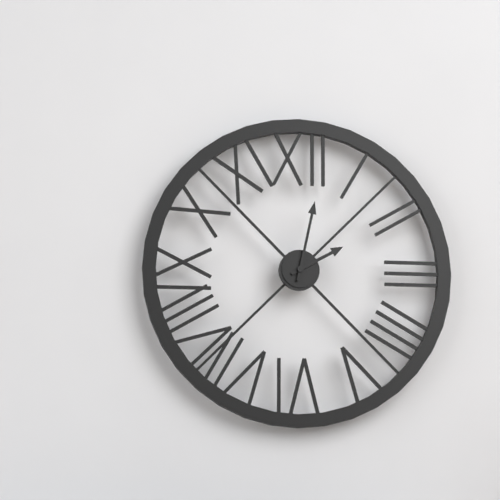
2:02
